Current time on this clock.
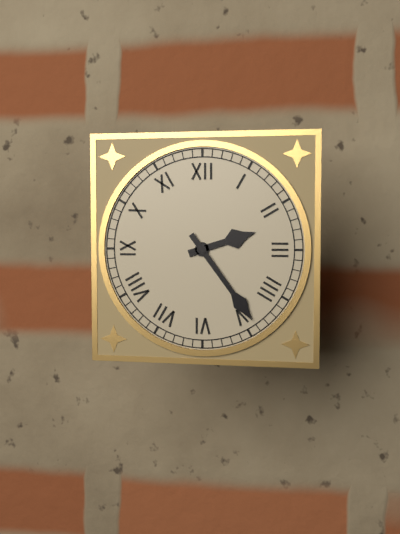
2:24
